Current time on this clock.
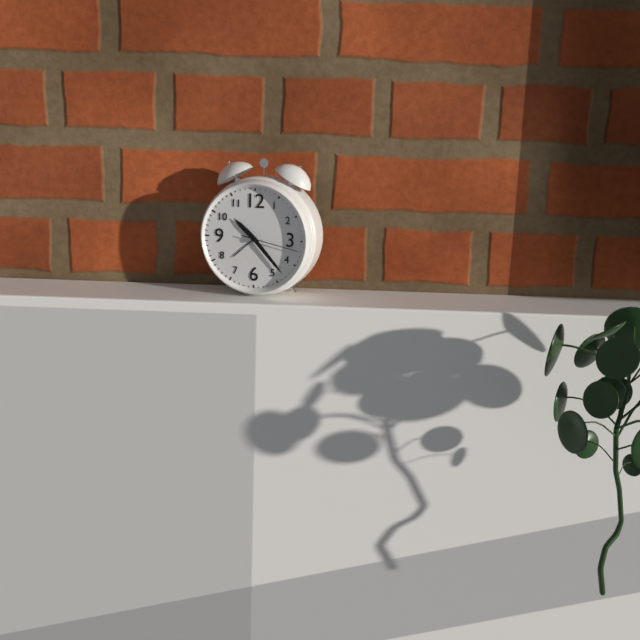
10:23:17
